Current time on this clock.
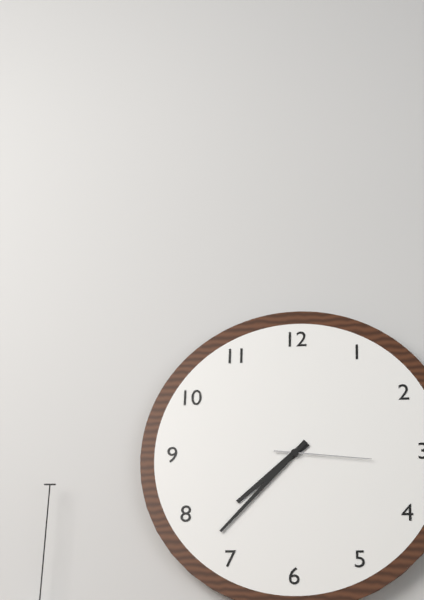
7:37:16
